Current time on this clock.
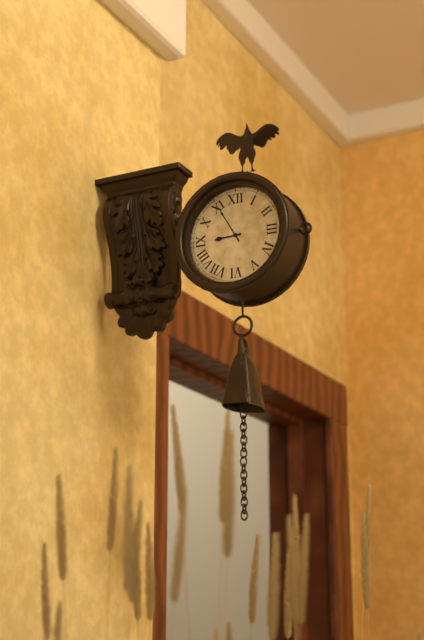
8:55
